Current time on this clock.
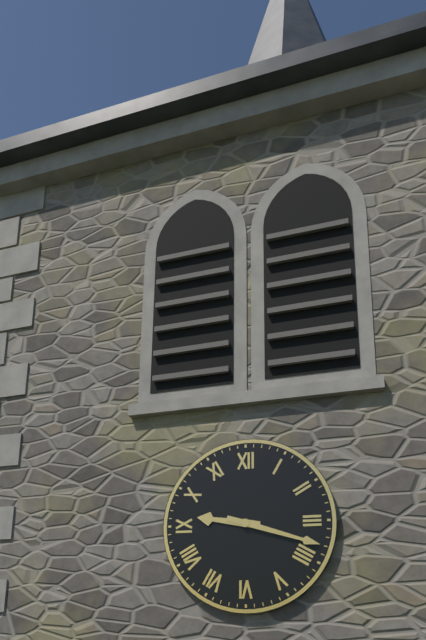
9:18
